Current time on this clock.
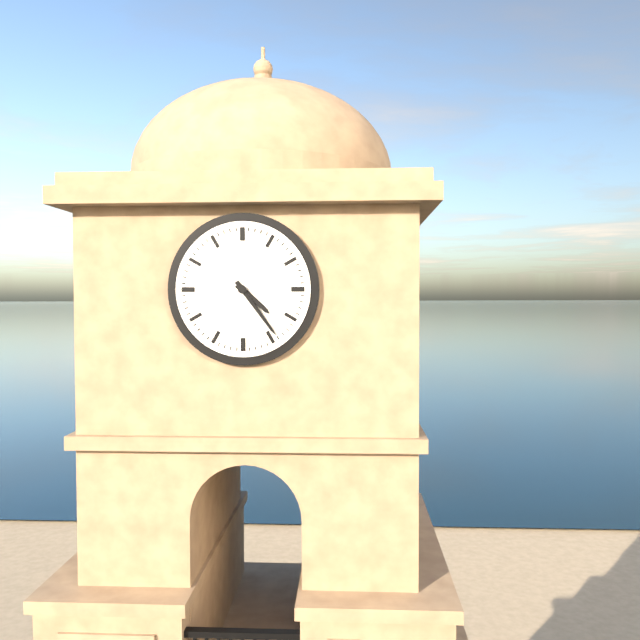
4:24
